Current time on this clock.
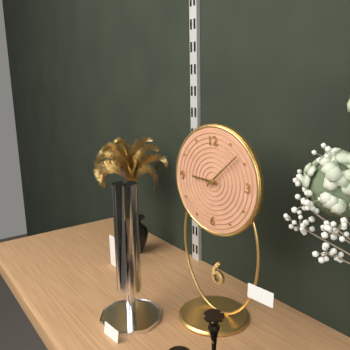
9:08
